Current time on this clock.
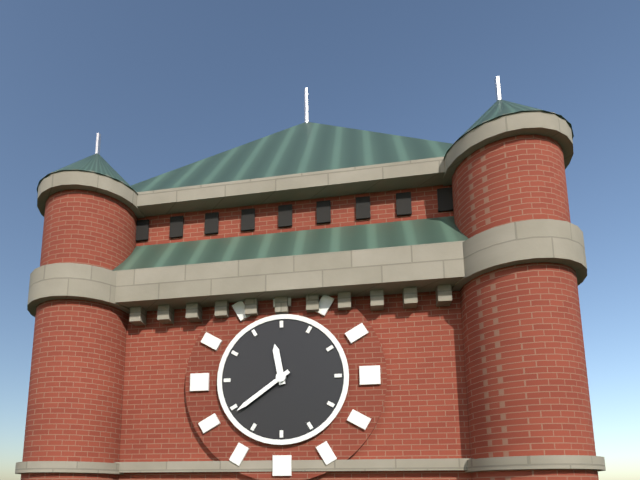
11:39
